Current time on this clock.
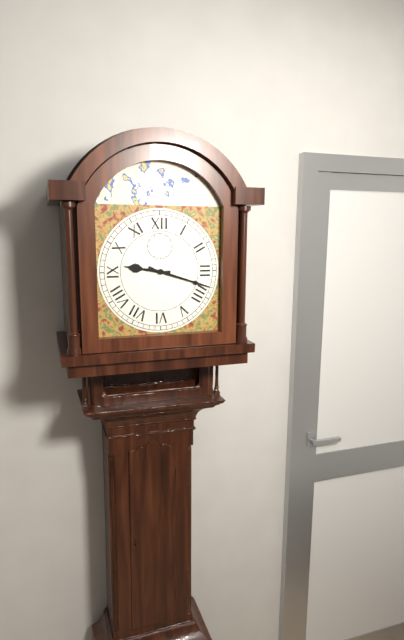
9:18
